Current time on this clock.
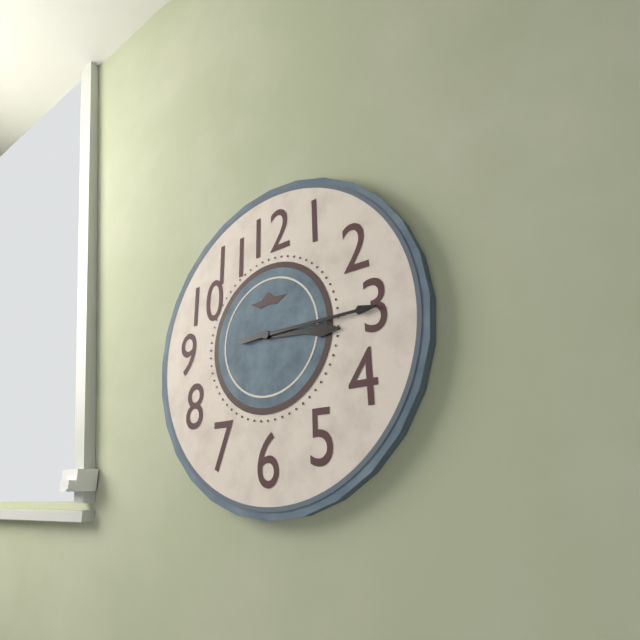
3:15
